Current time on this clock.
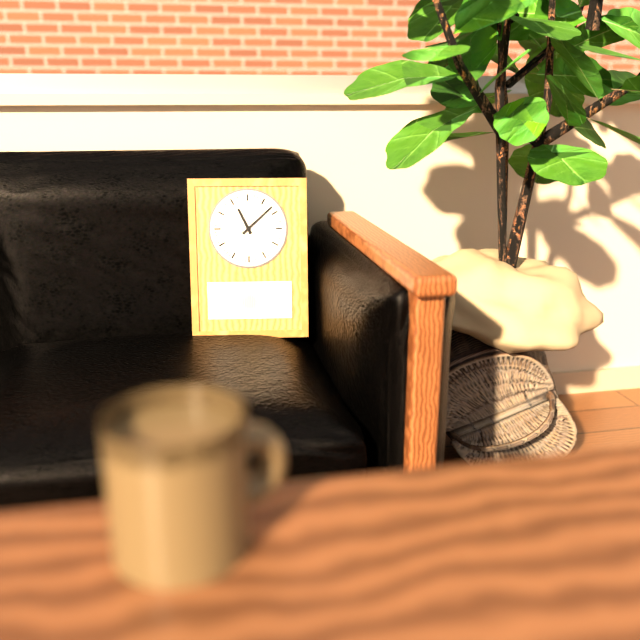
11:08
